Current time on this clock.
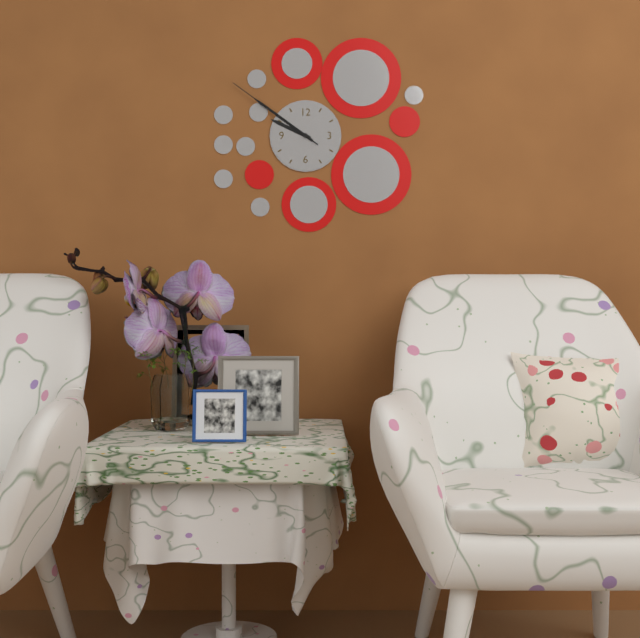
9:51:51
